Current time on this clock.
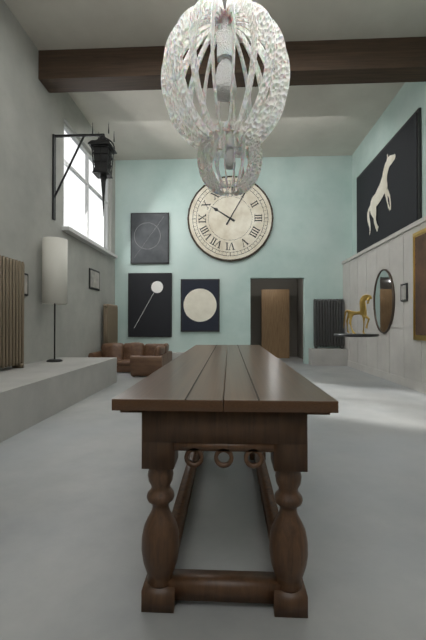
10:05
